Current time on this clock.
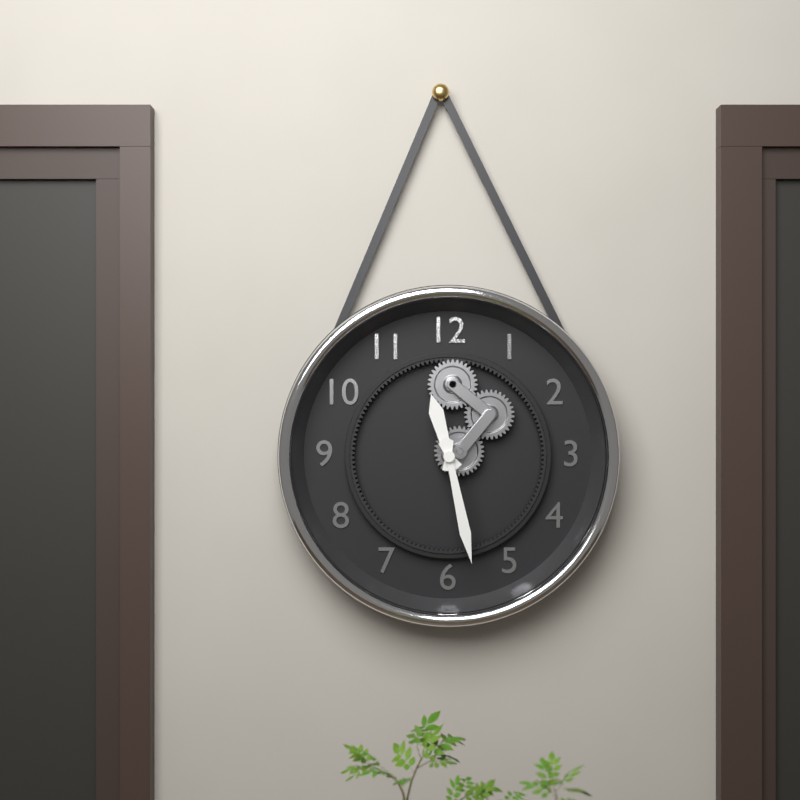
11:28
